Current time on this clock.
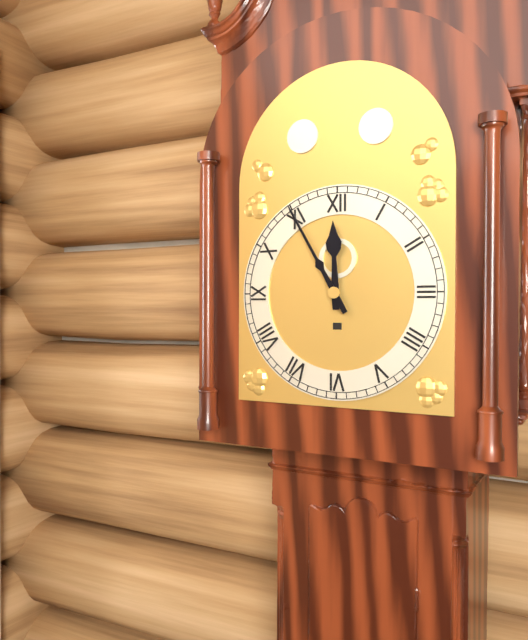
11:55
